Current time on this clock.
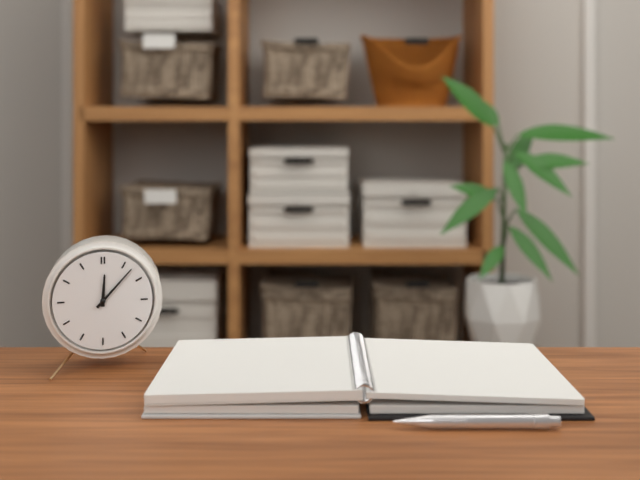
12:07
